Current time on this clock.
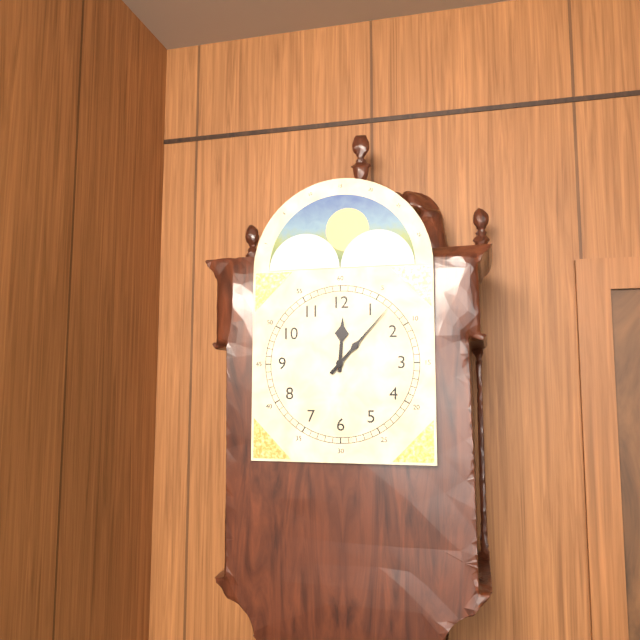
12:07
